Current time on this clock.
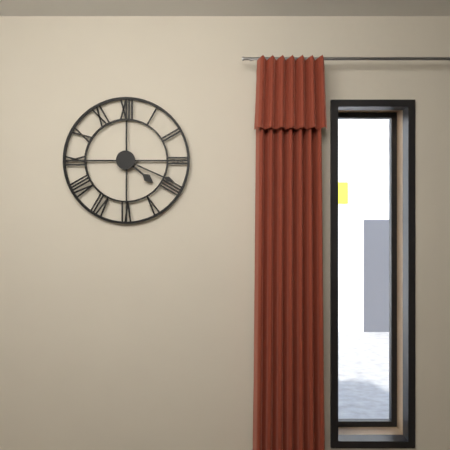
4:19
